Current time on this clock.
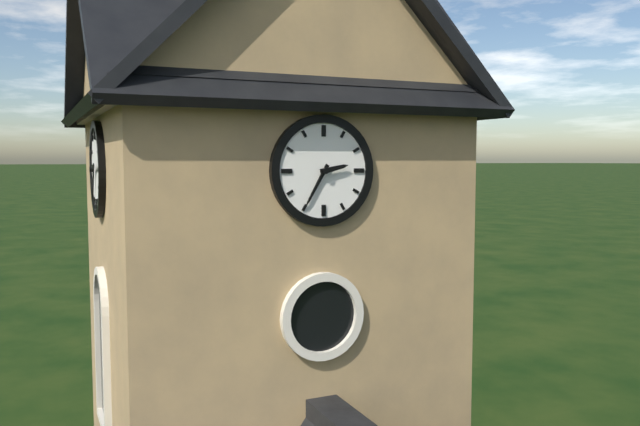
2:35
